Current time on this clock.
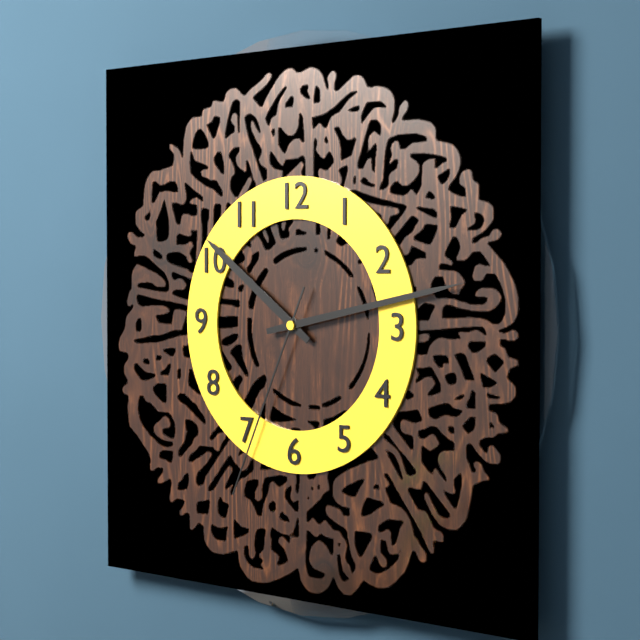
10:13:34
